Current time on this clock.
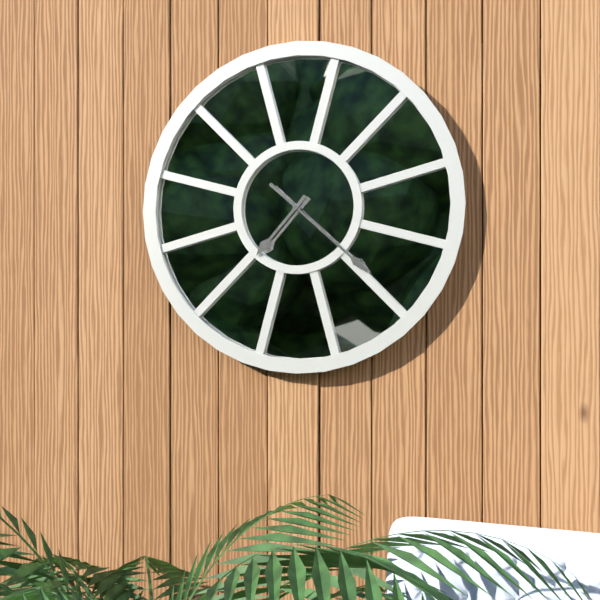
7:22
